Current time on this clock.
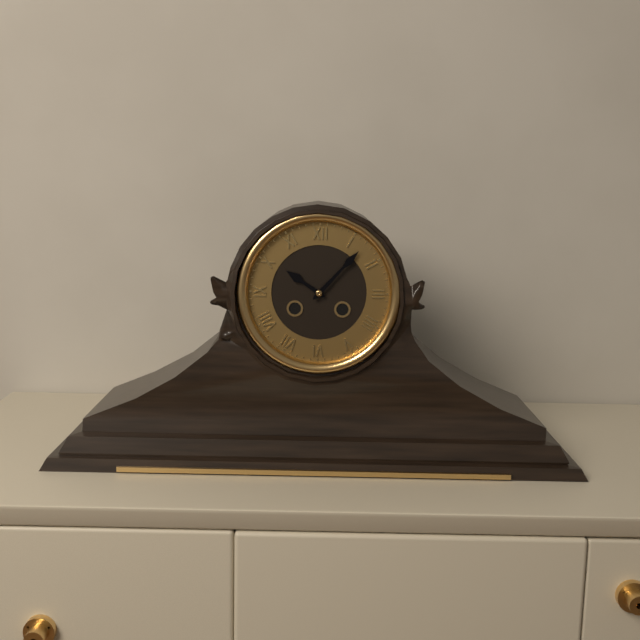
10:07
